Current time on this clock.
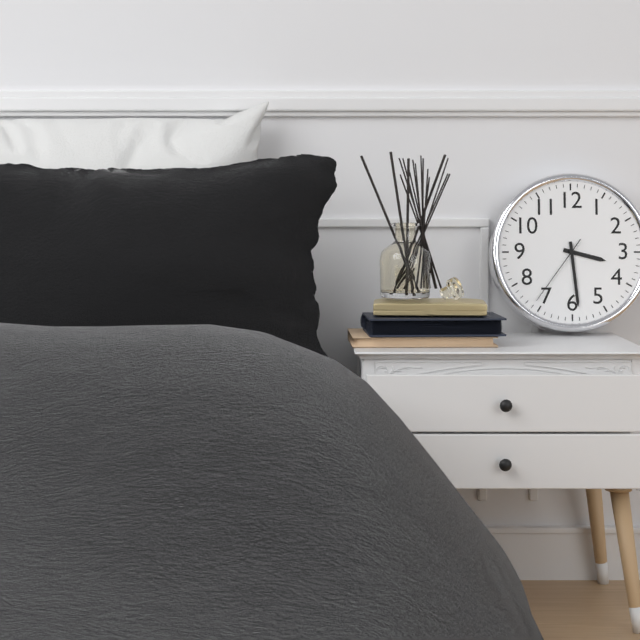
3:29:36
